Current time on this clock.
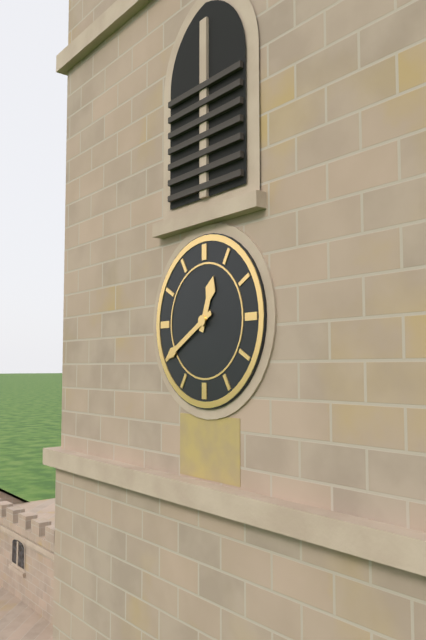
12:40
